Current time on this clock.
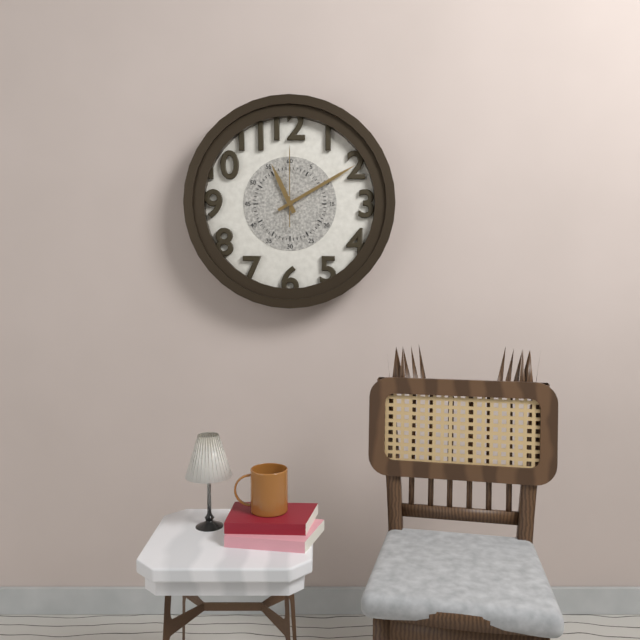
11:10:00
